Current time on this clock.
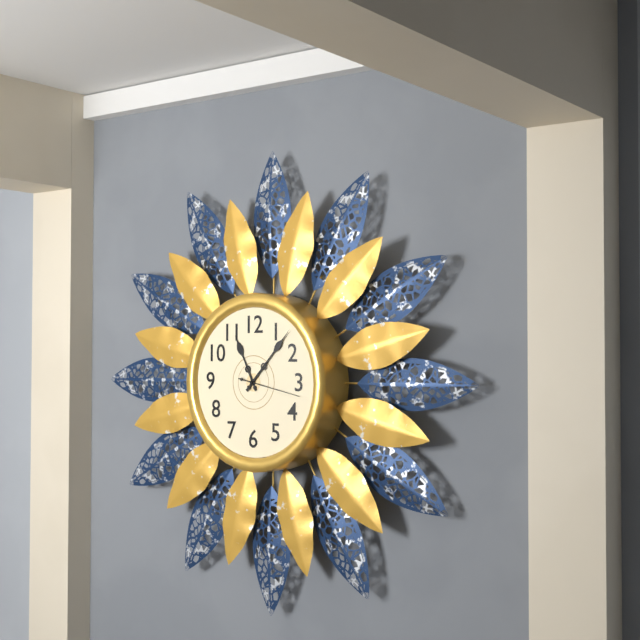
11:07:17
